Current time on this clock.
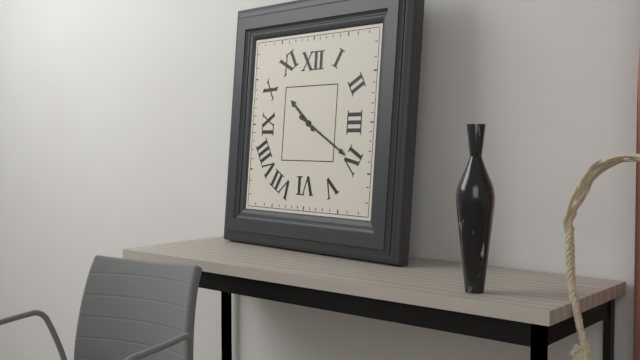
10:20
